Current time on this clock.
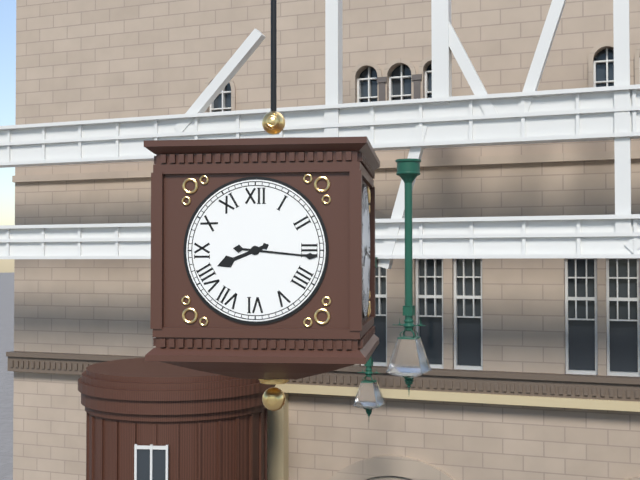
8:16
